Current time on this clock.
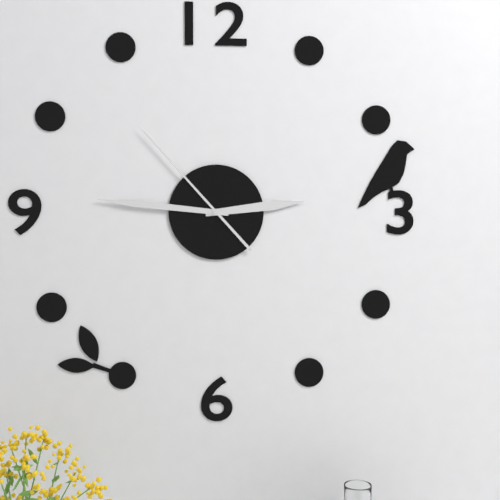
2:46:53
